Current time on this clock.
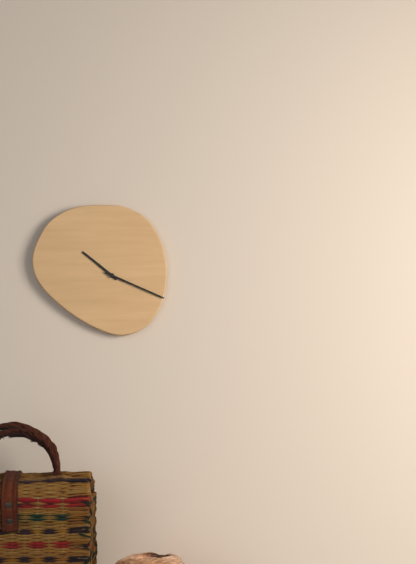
10:19
